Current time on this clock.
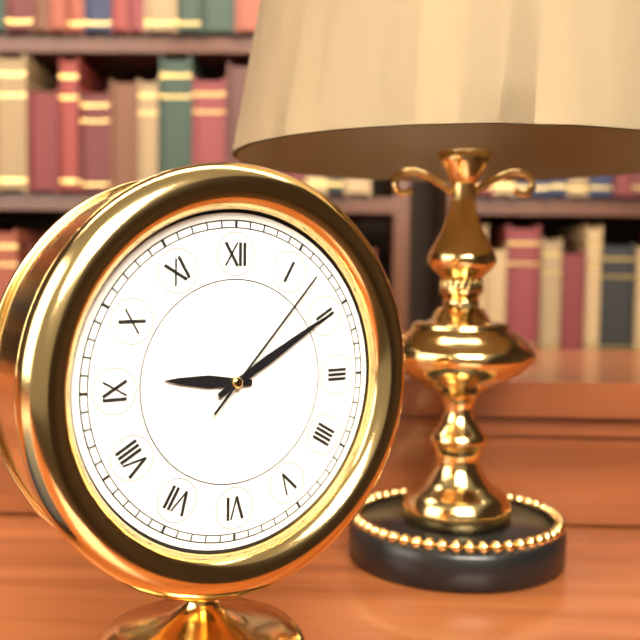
9:10:07
